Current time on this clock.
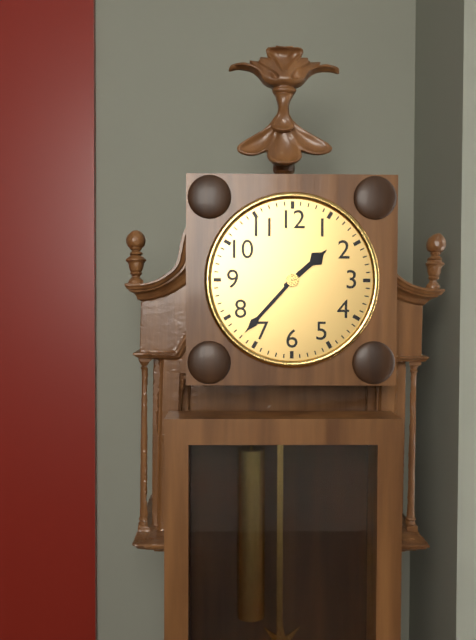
1:37
